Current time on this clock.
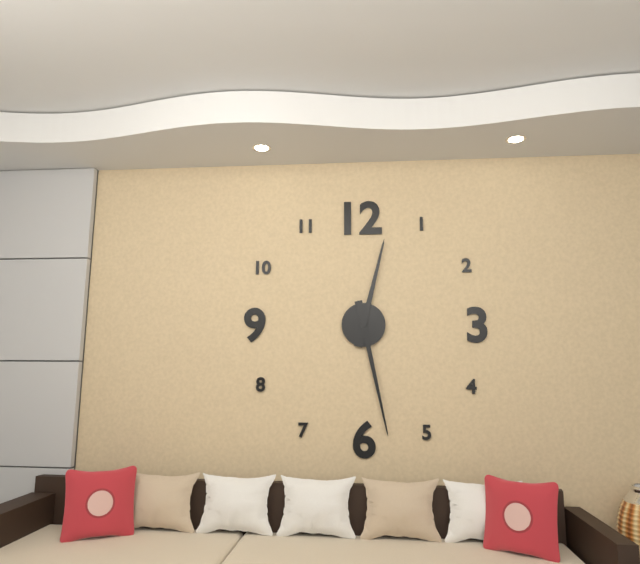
12:28
